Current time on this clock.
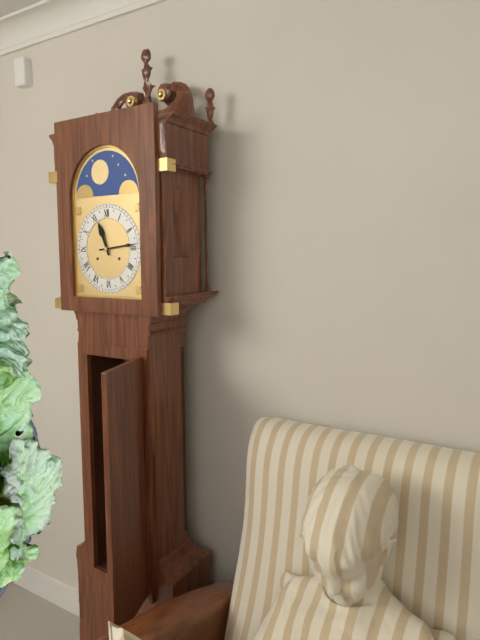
11:14
